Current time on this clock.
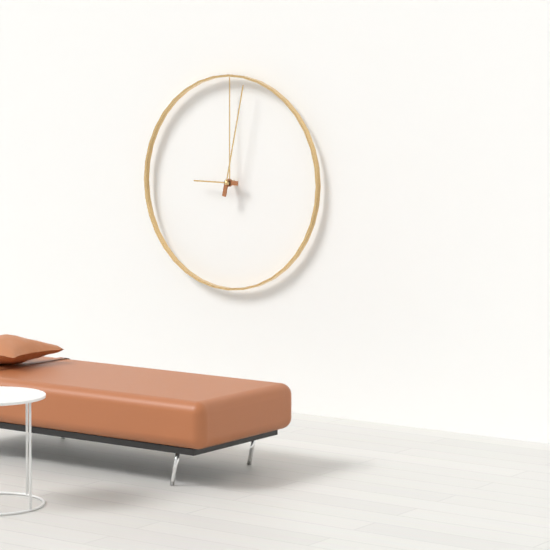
9:02
